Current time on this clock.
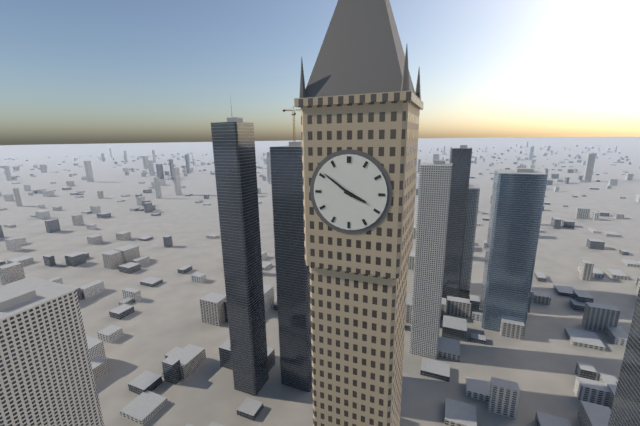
3:51
